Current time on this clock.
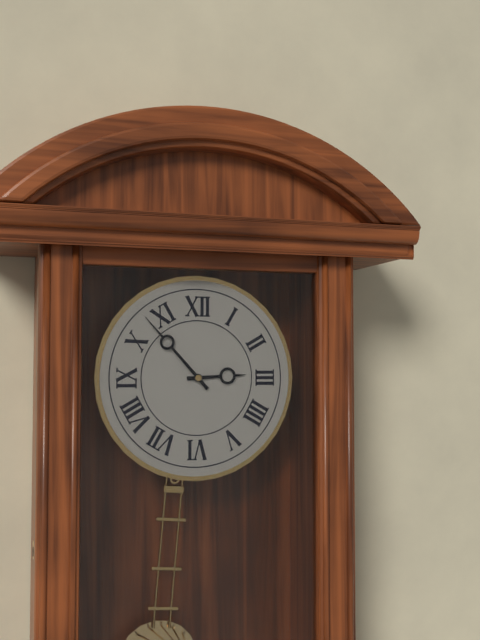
2:53
